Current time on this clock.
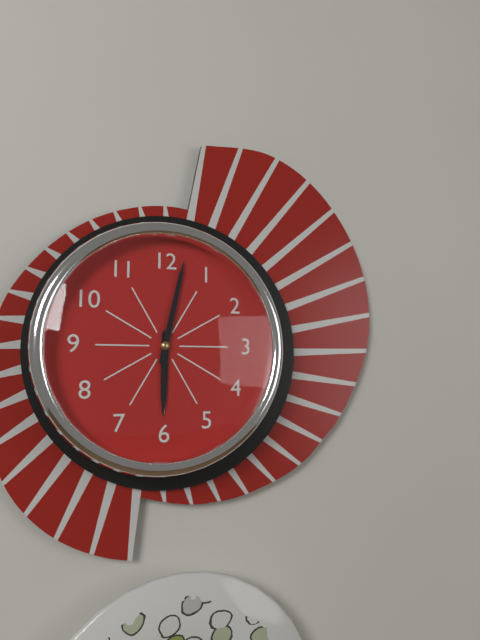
6:02
